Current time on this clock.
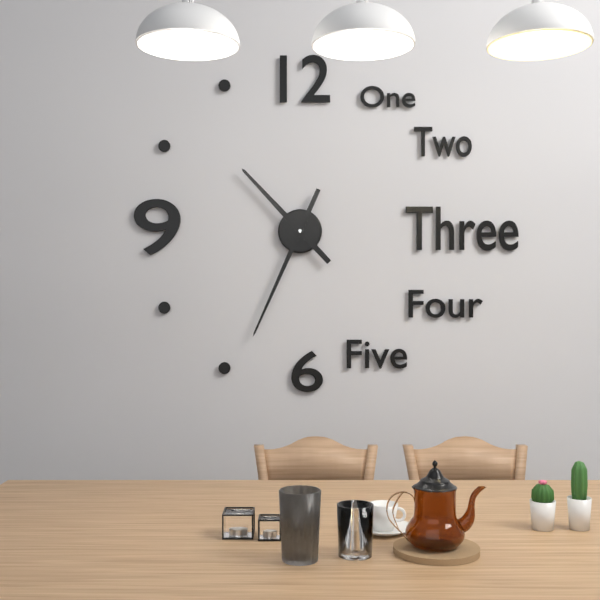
10:34
